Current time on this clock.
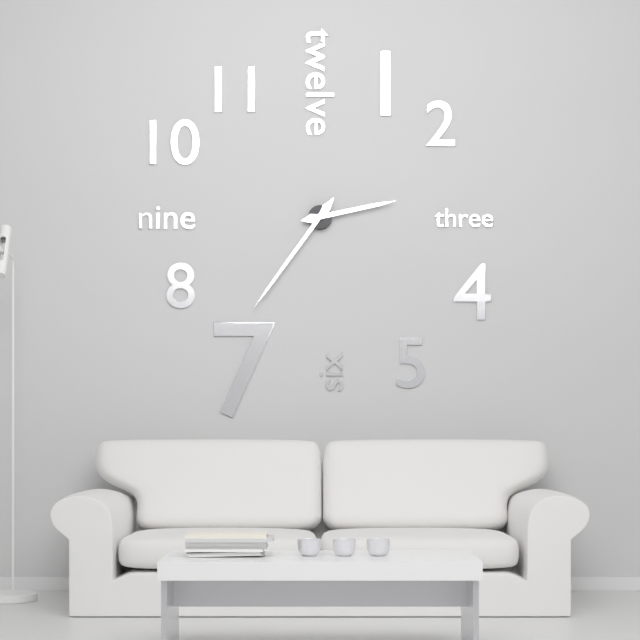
2:36
